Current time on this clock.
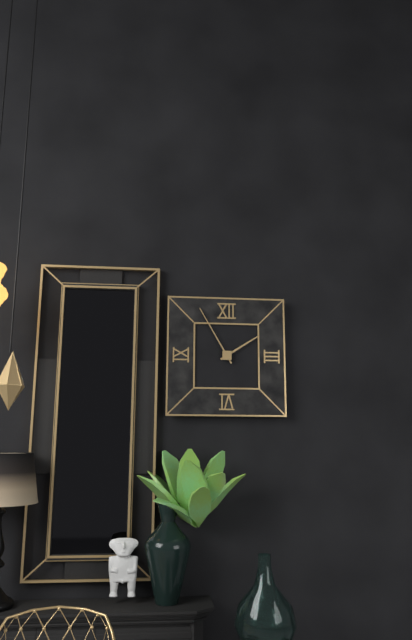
1:55
